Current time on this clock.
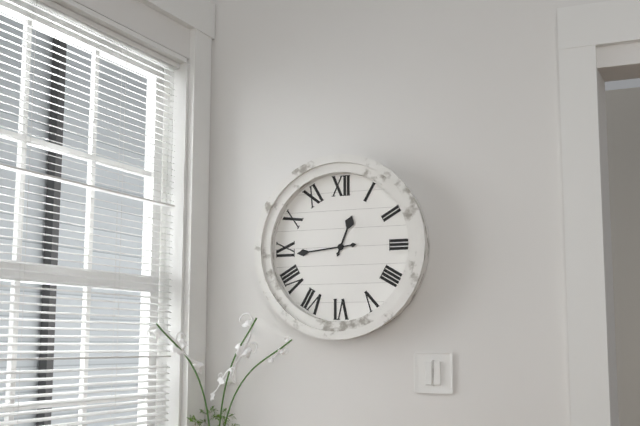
12:44
